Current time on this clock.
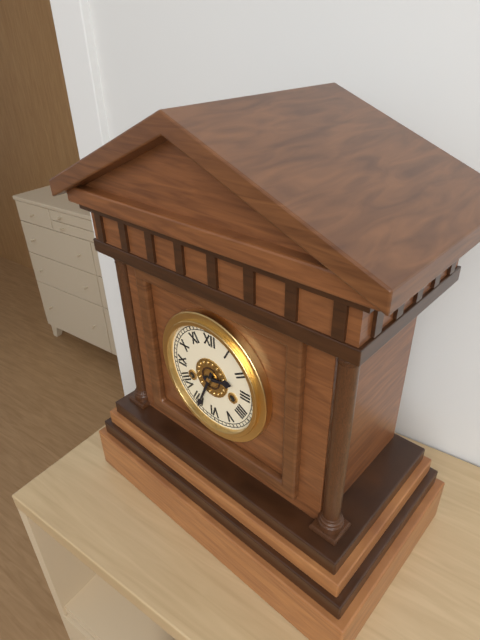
2:34
